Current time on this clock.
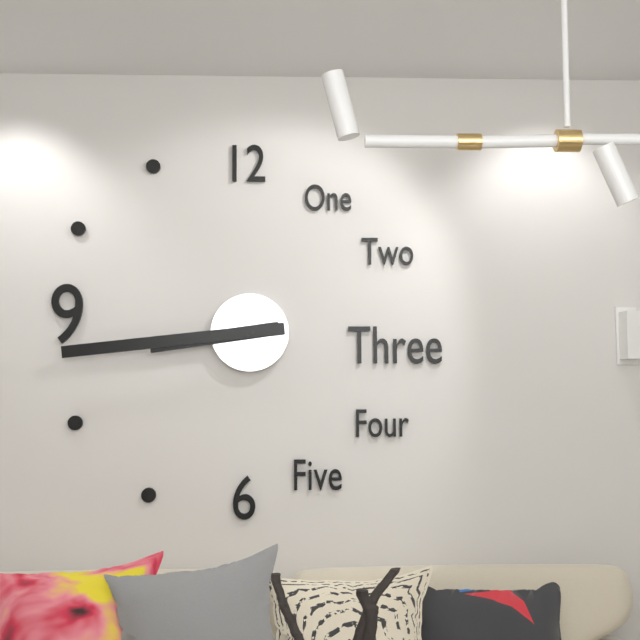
8:44
